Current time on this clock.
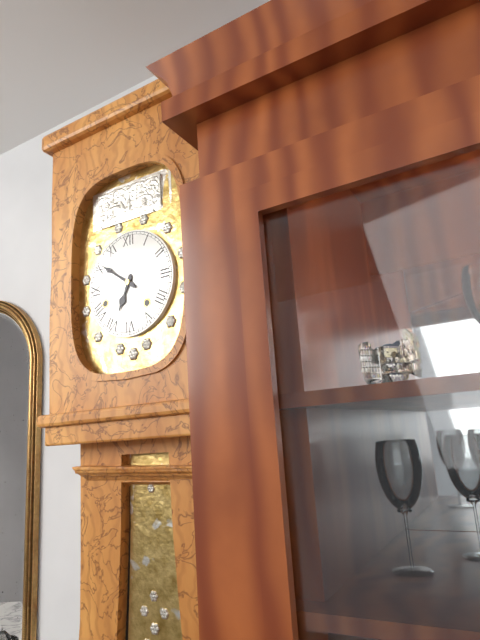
6:51
